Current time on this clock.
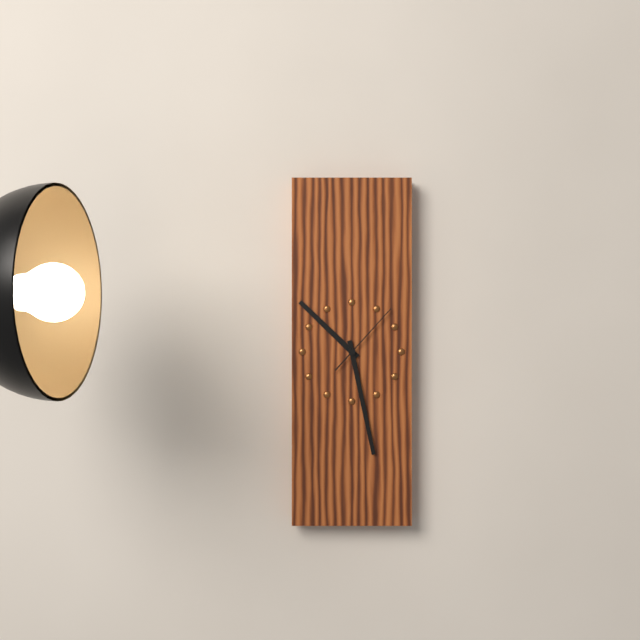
10:28:07
